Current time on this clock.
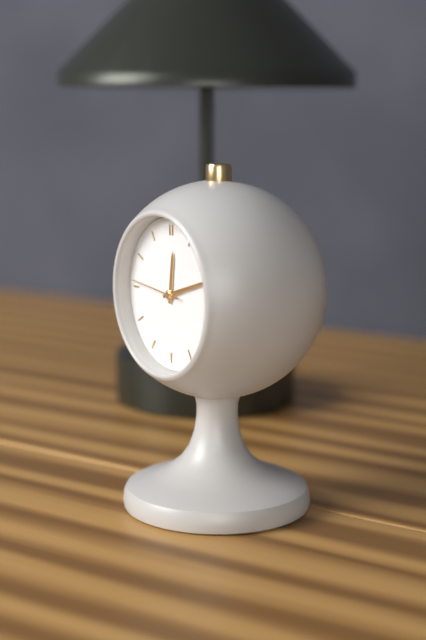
12:12:46
